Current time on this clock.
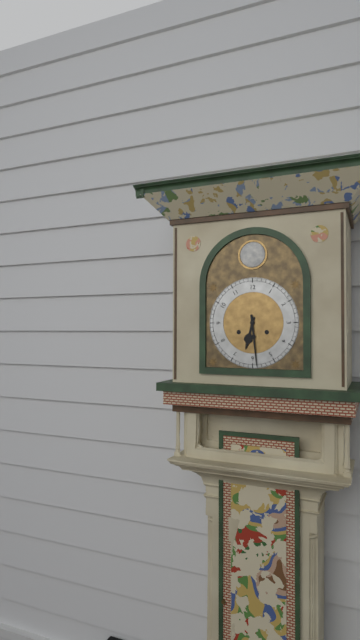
6:29
